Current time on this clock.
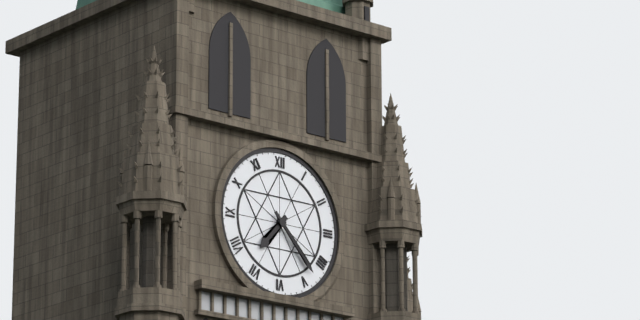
7:23
